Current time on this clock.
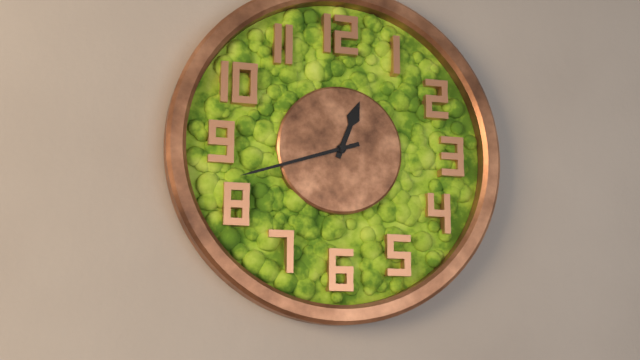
12:42
